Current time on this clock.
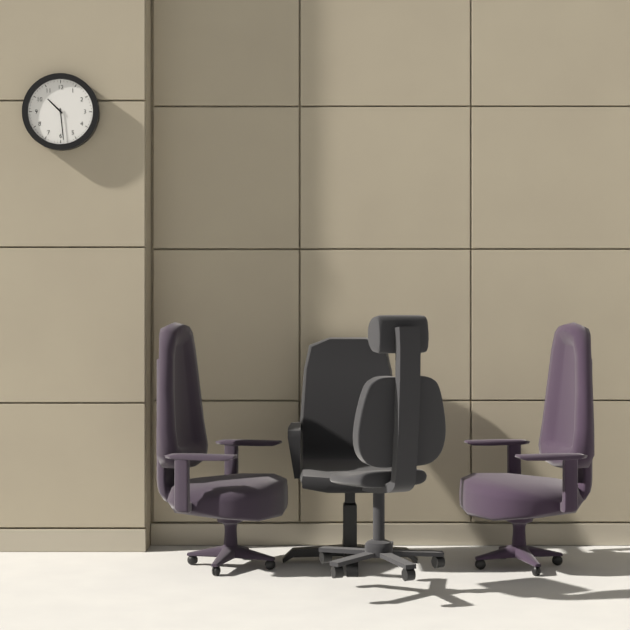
10:29
